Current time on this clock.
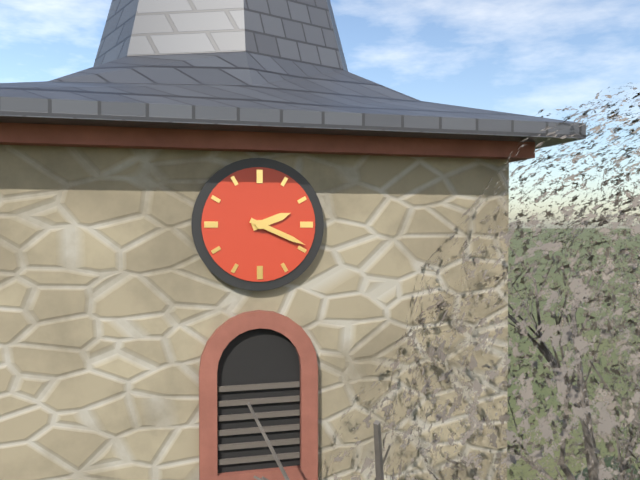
2:19
